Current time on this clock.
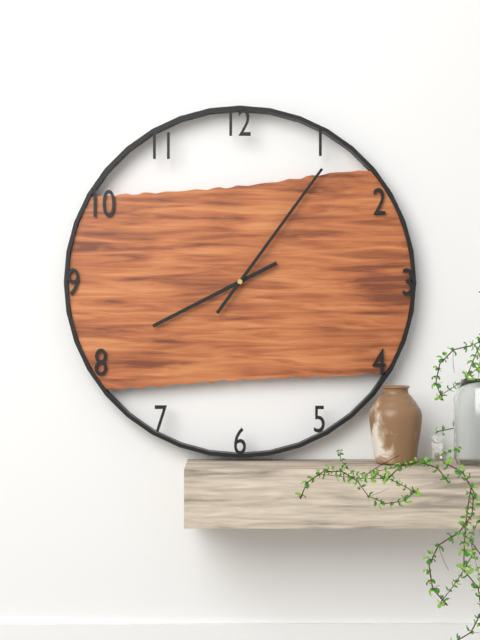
8:06
